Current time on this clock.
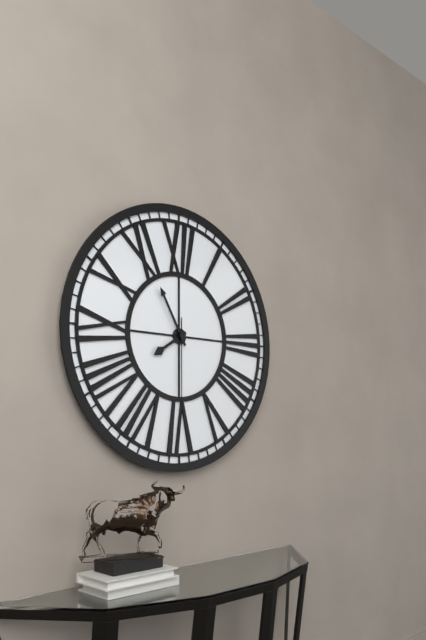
7:55:30
